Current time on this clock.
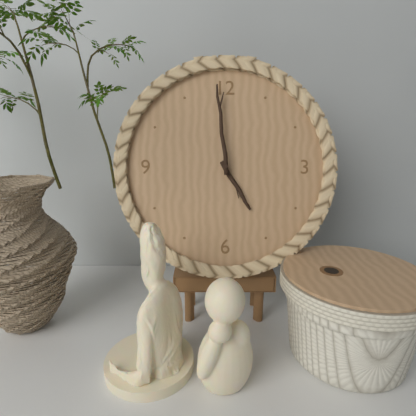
4:59
